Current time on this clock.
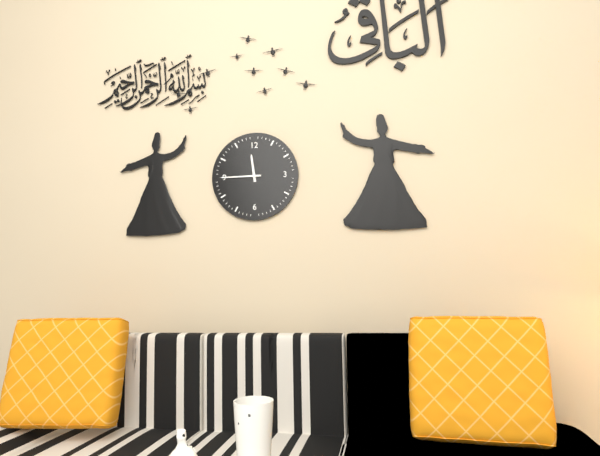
11:45
